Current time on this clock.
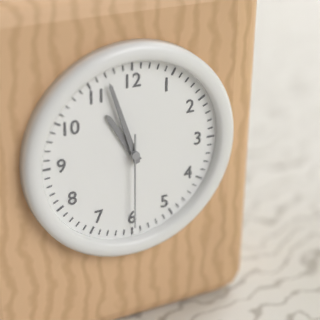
10:57:30
